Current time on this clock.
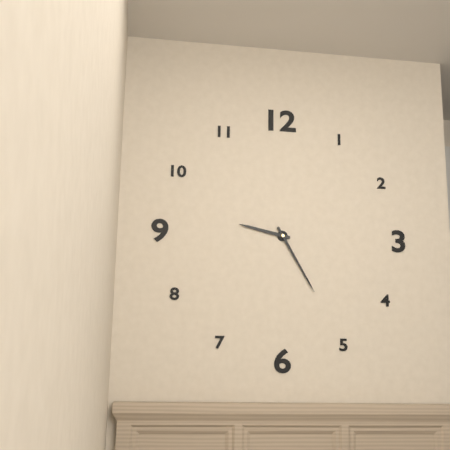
9:25
